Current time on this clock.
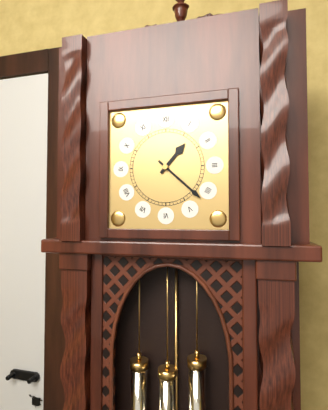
1:22
